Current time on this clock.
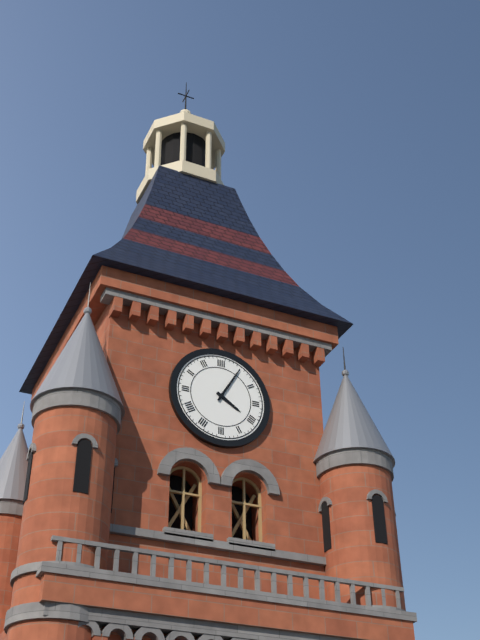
4:05
